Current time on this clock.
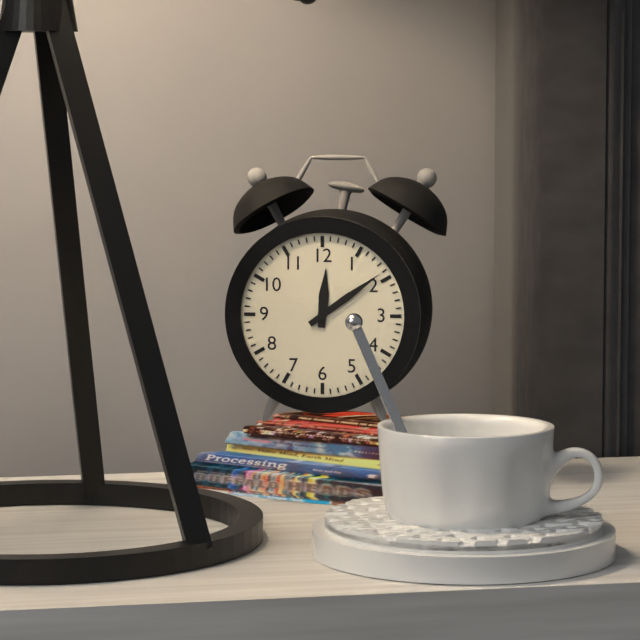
12:09
